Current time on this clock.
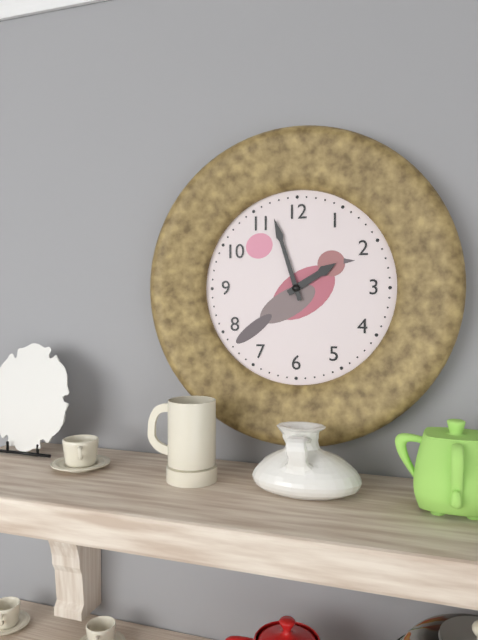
1:57
